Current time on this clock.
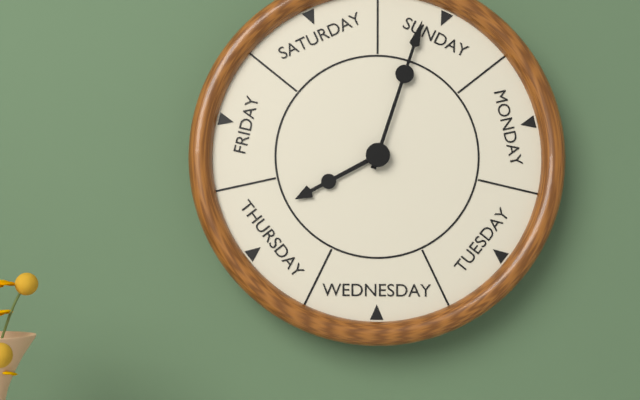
8:03
